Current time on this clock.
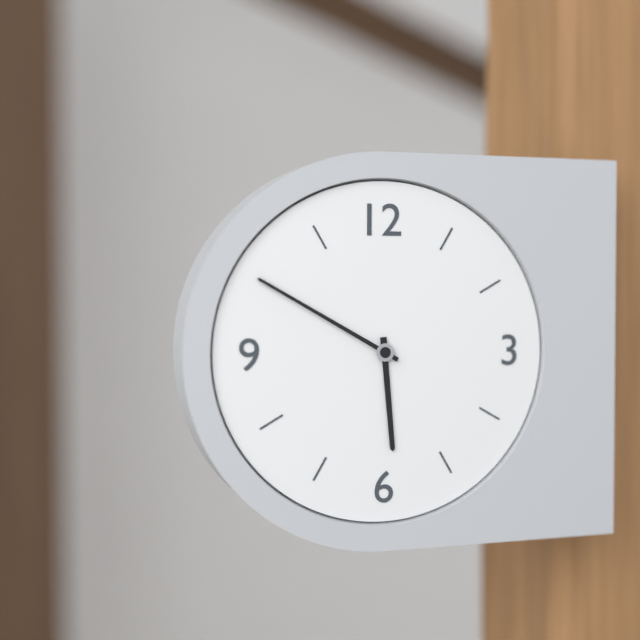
5:50
